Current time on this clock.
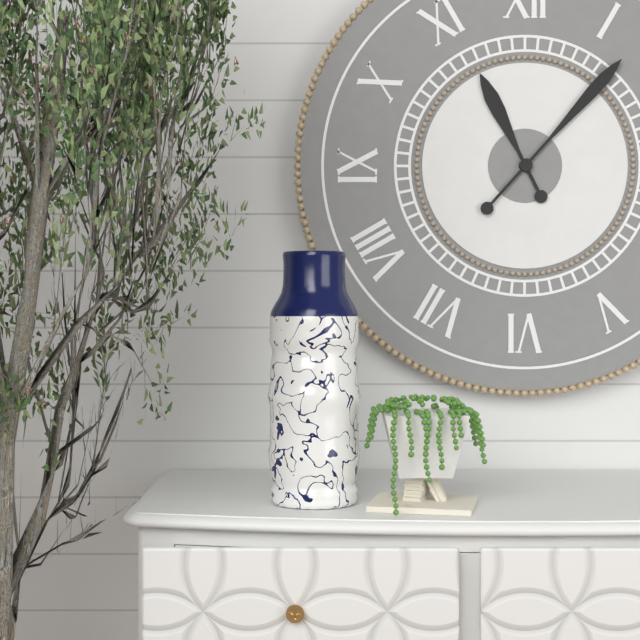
11:07
